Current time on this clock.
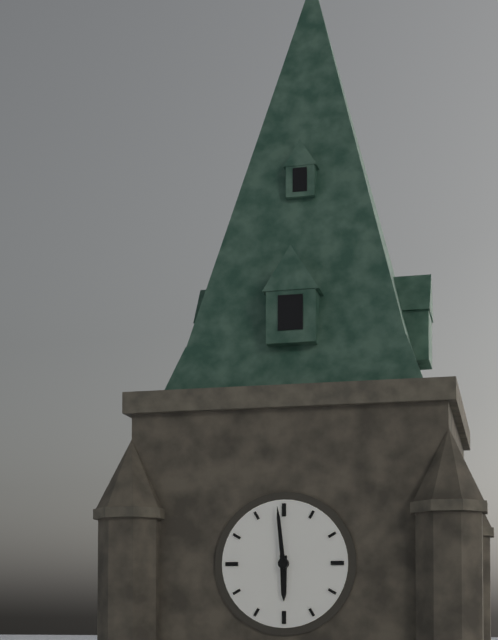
5:59
